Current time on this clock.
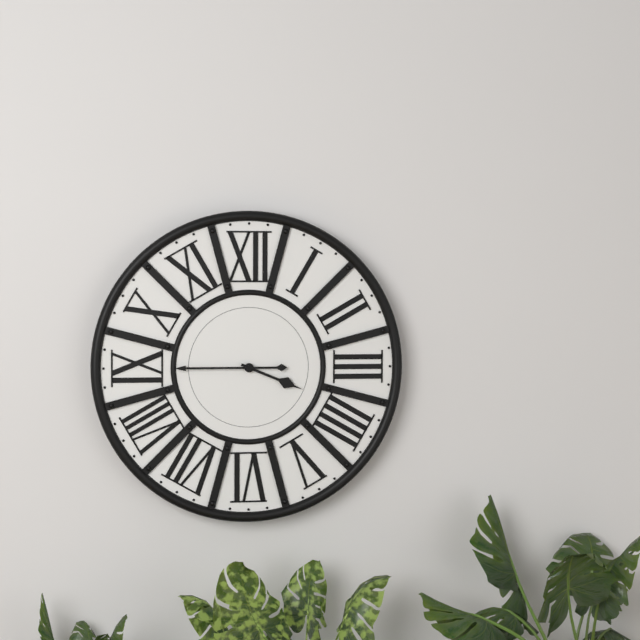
3:45
